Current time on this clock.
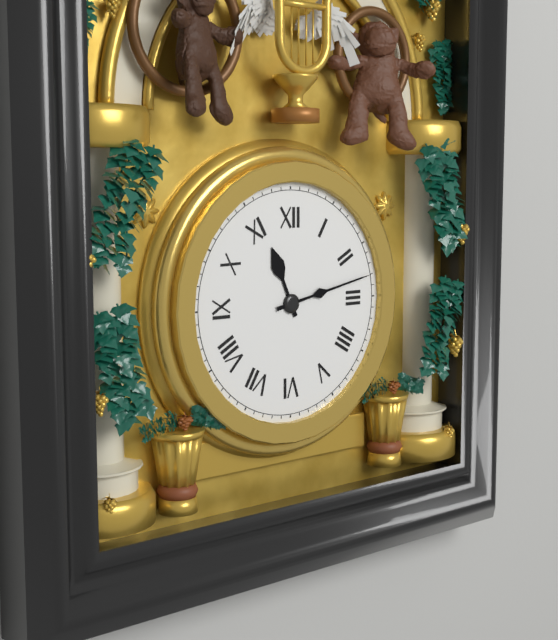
11:13
